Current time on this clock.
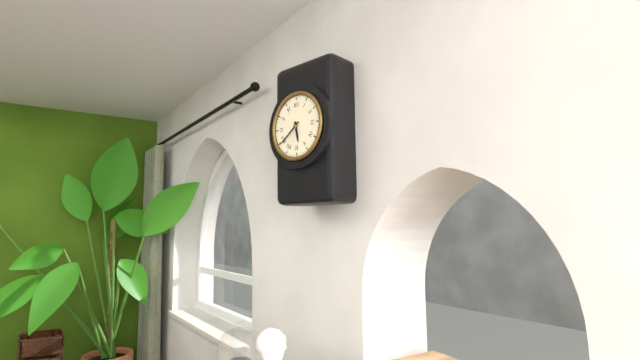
5:39
